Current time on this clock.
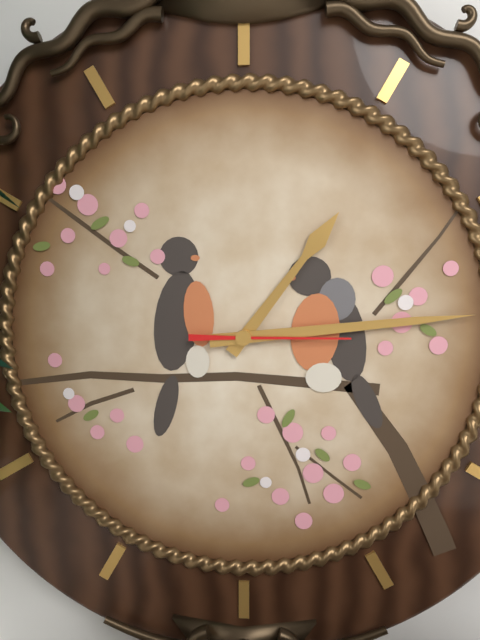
1:14:15
